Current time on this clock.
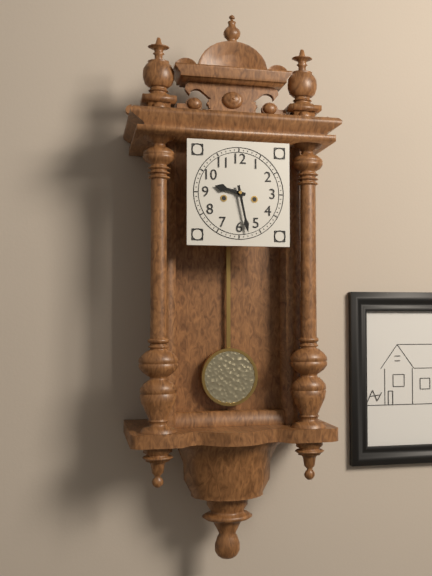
9:28
